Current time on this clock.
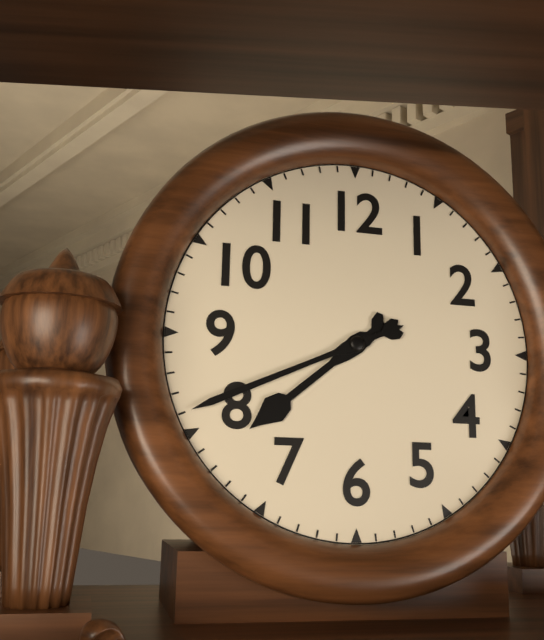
7:41
